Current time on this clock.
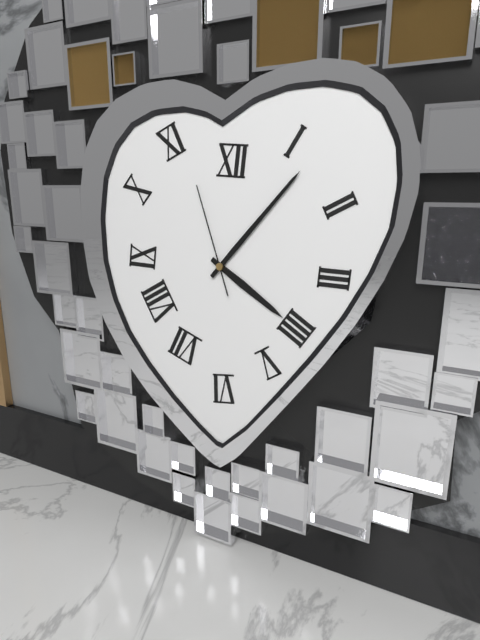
4:07:57
